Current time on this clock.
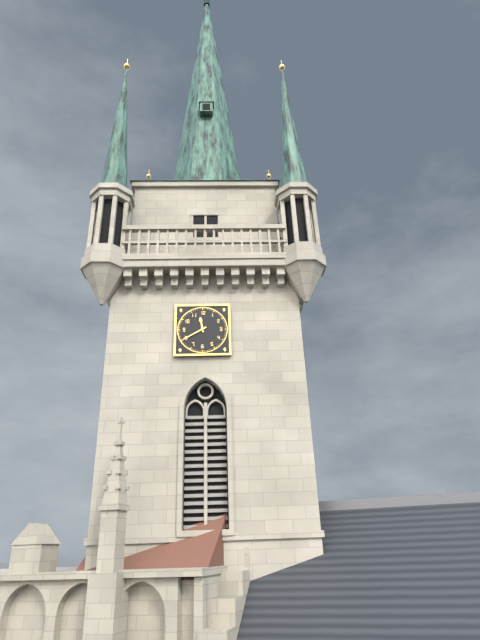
11:40
